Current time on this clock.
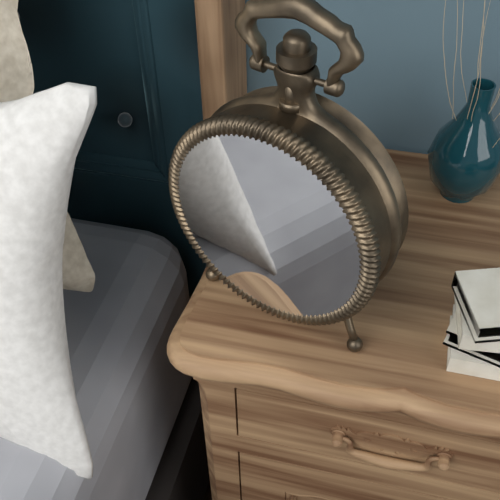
6:03
